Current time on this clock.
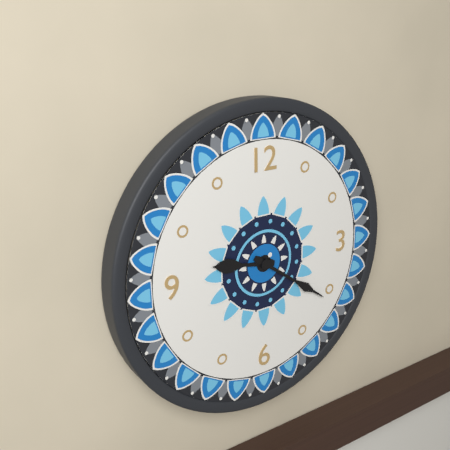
9:21
